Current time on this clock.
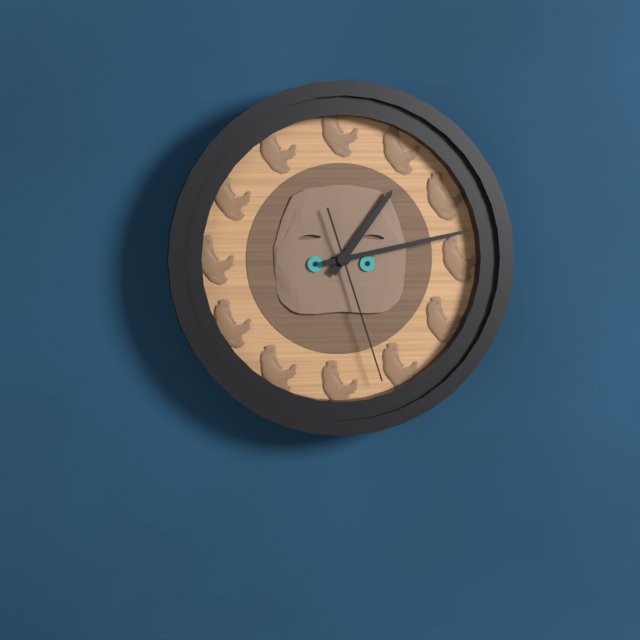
1:13:27
